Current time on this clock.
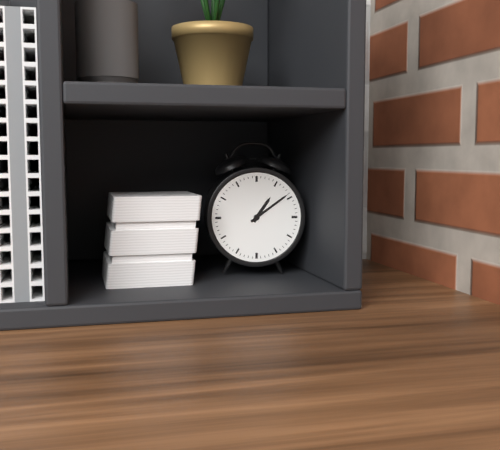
1:09
